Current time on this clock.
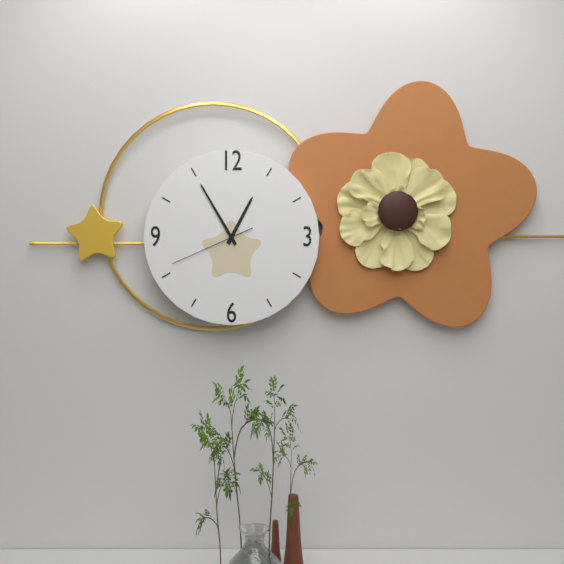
12:55:41
